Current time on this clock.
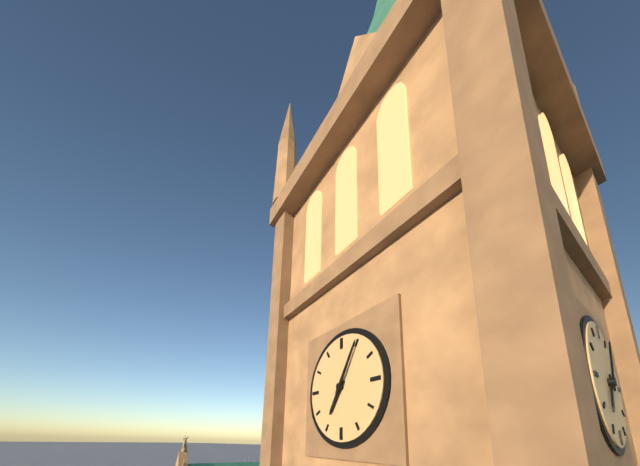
7:05
